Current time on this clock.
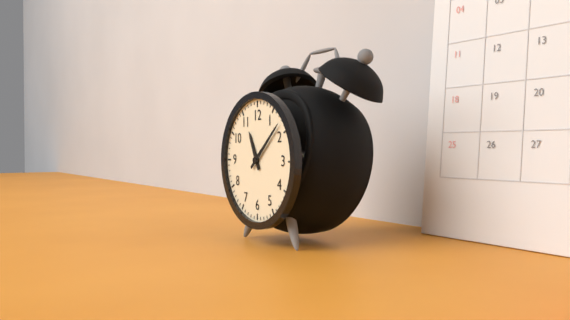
11:08
